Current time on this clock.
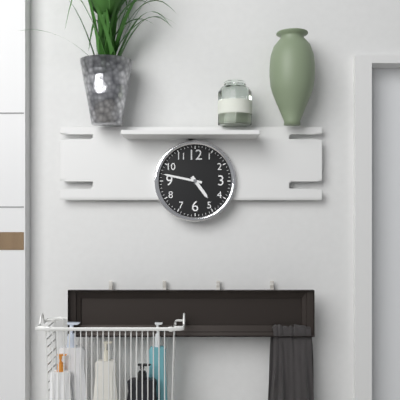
4:47
